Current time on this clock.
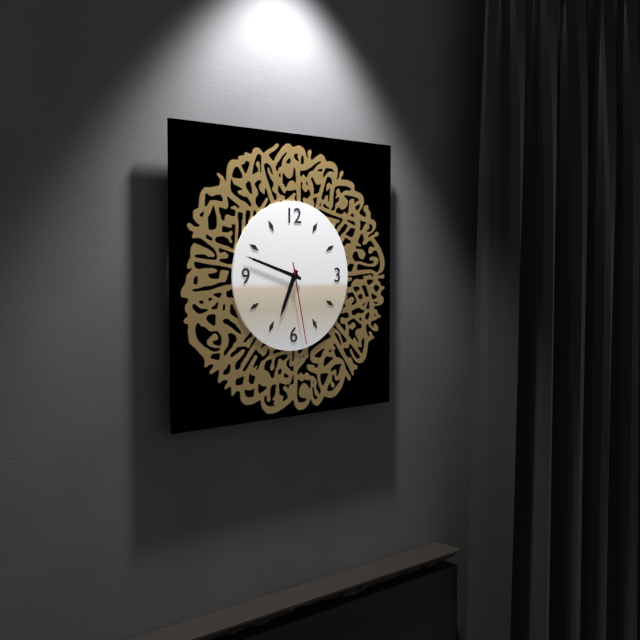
6:48:28
